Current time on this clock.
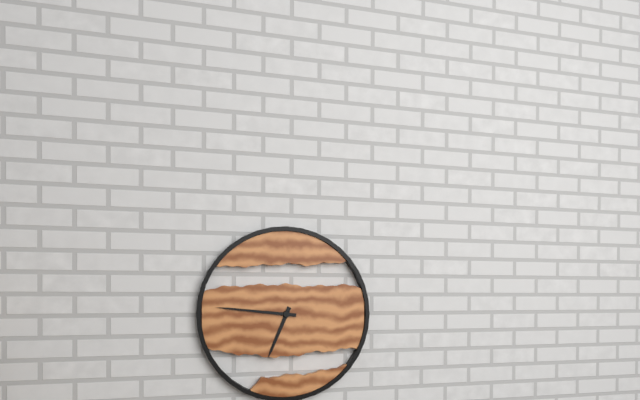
6:46
